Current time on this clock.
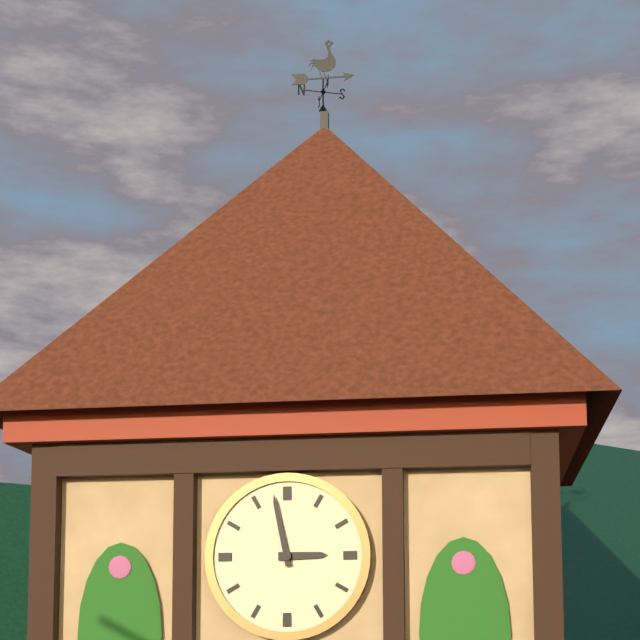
2:58
